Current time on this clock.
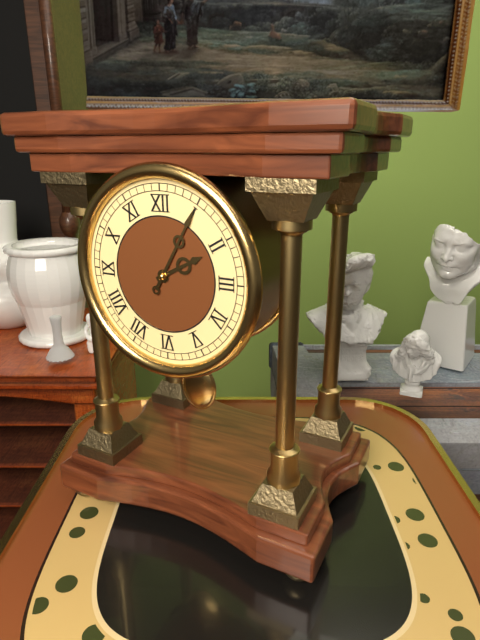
2:05
